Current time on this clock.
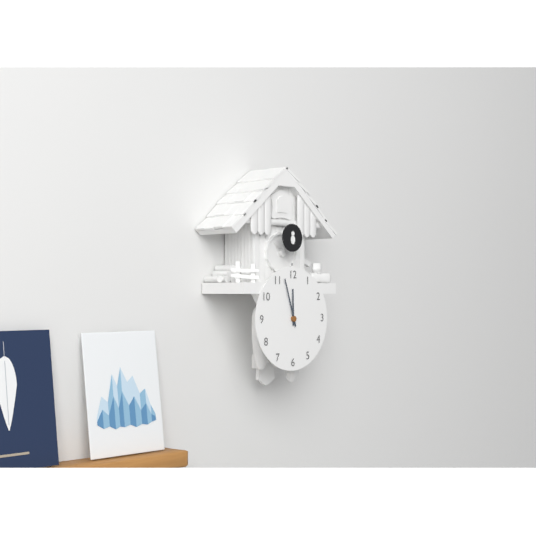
11:57
